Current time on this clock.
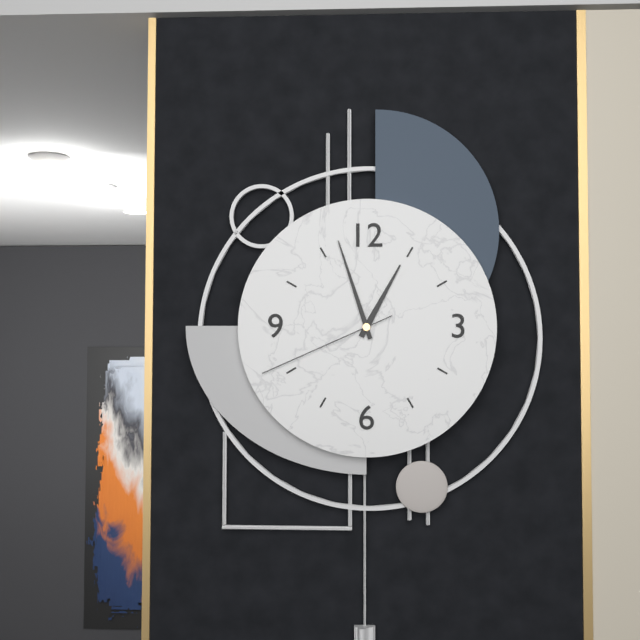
12:57:41
